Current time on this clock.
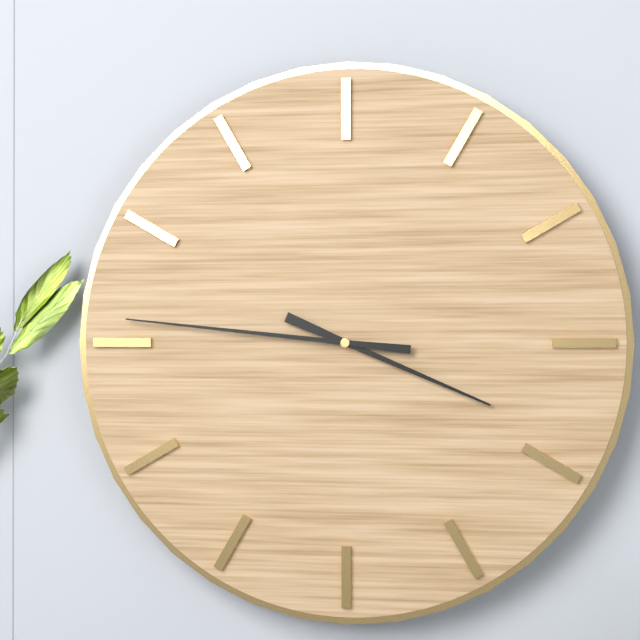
3:46
